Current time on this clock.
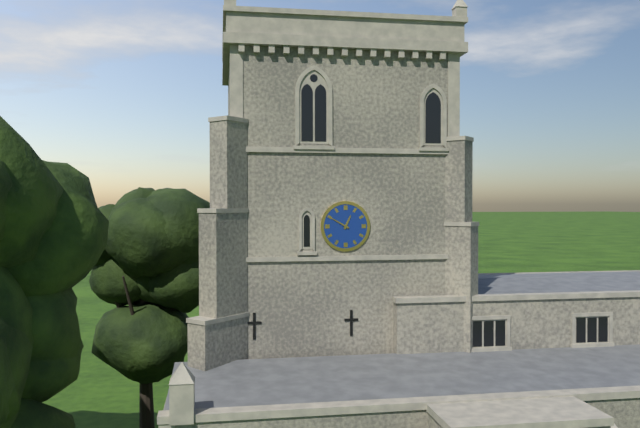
12:50
